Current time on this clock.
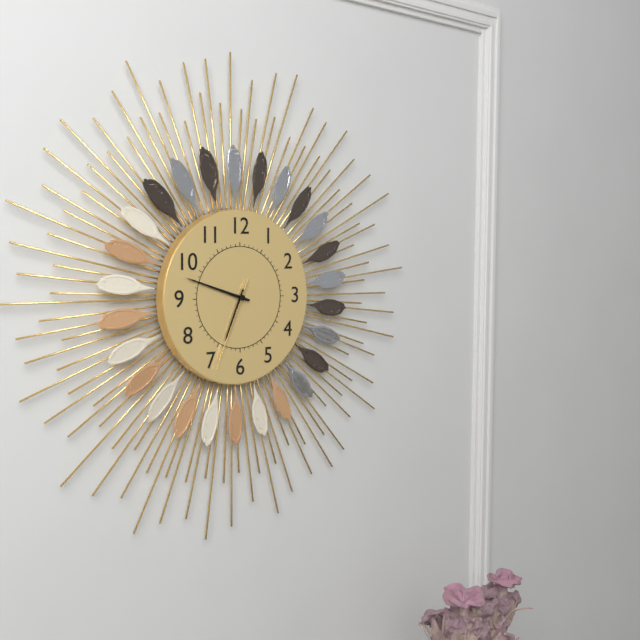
6:48:34
